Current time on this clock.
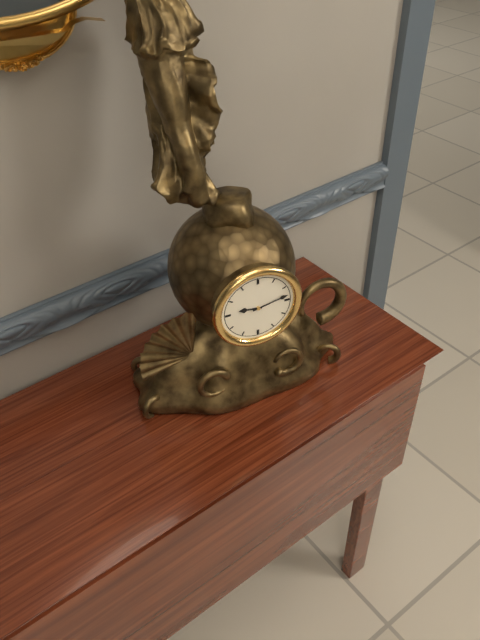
9:13
